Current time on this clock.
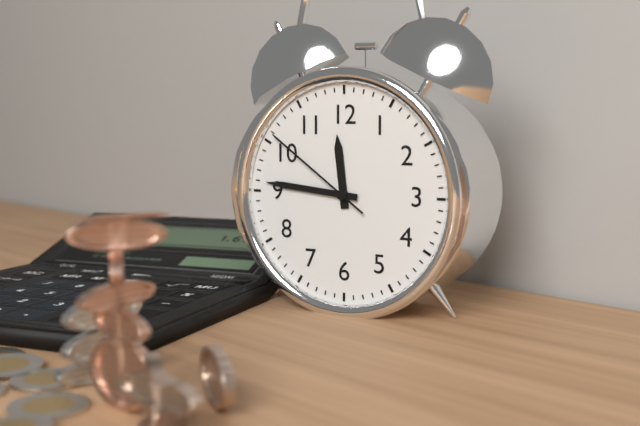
11:46:51
